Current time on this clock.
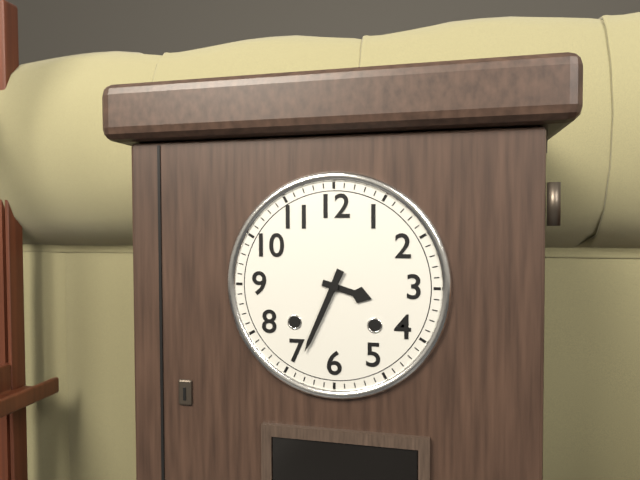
3:34
